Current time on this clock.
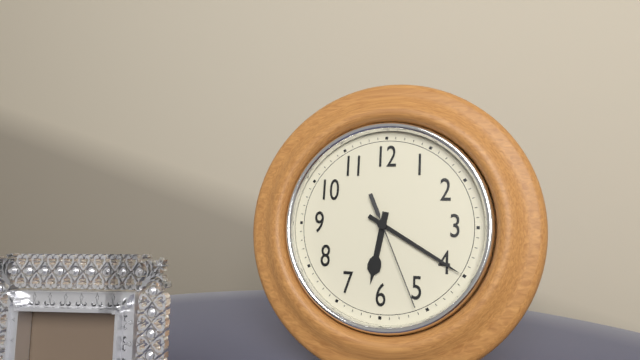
6:20:26
